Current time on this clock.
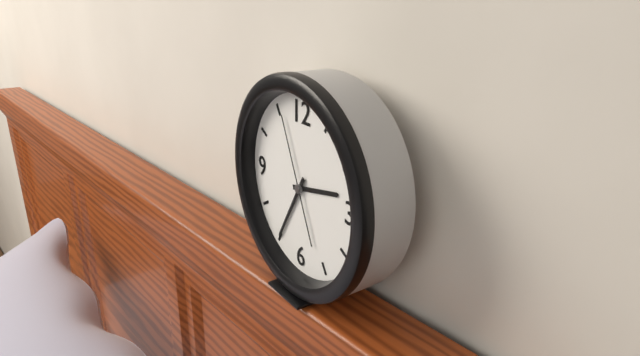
2:35:56
